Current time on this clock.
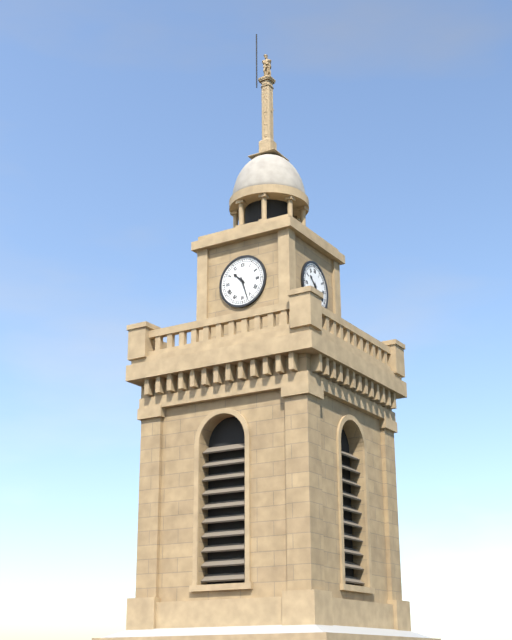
10:27
